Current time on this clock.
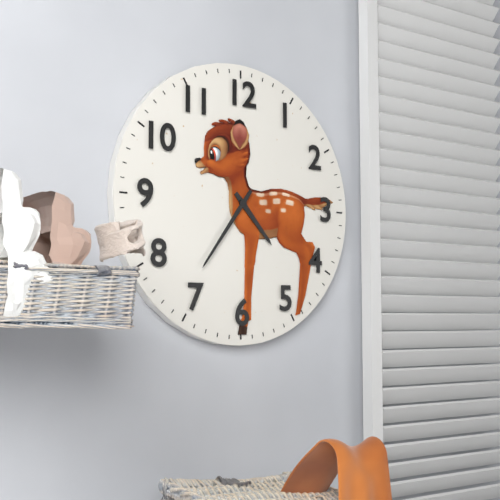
4:36
